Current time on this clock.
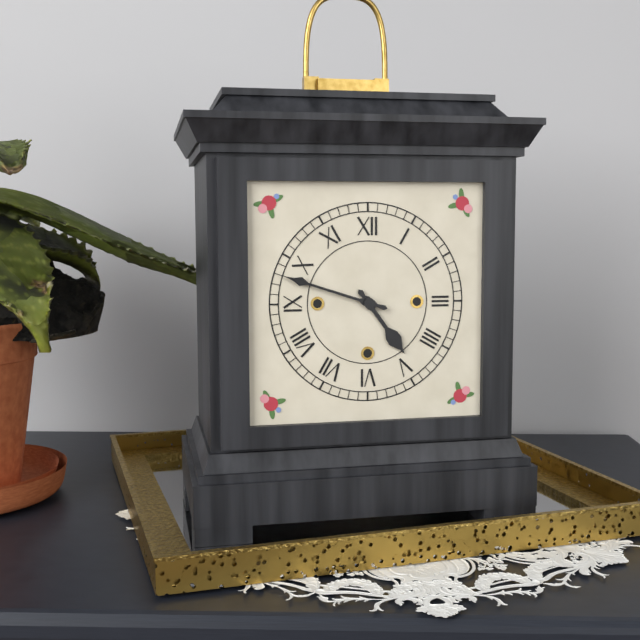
4:48
